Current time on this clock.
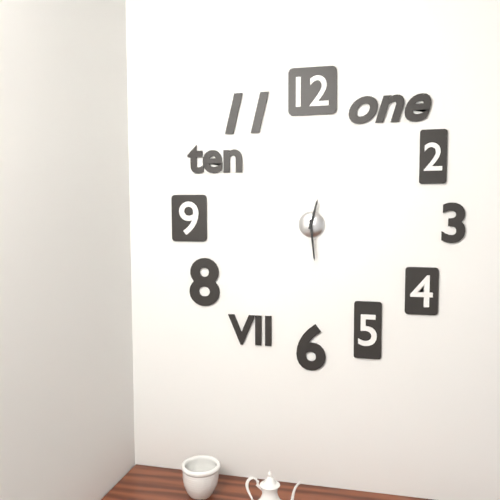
12:29
